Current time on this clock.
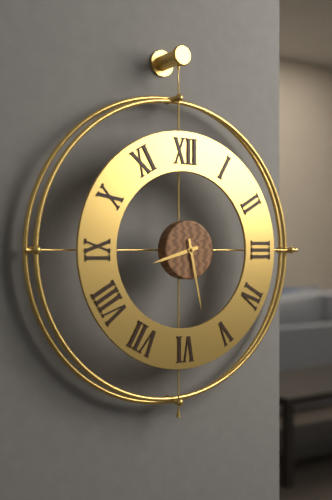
8:28
